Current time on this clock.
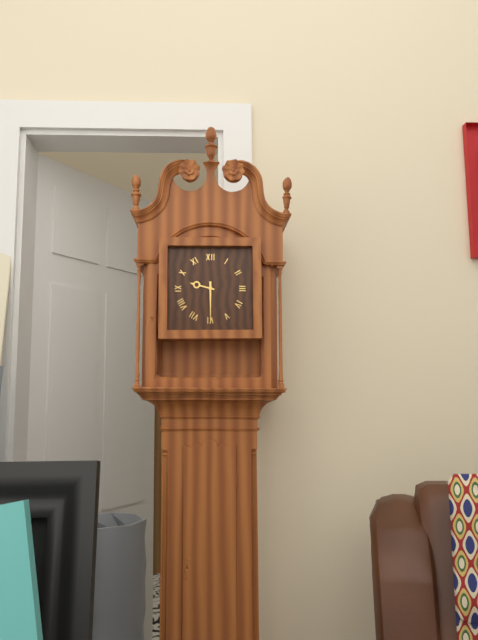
9:30
